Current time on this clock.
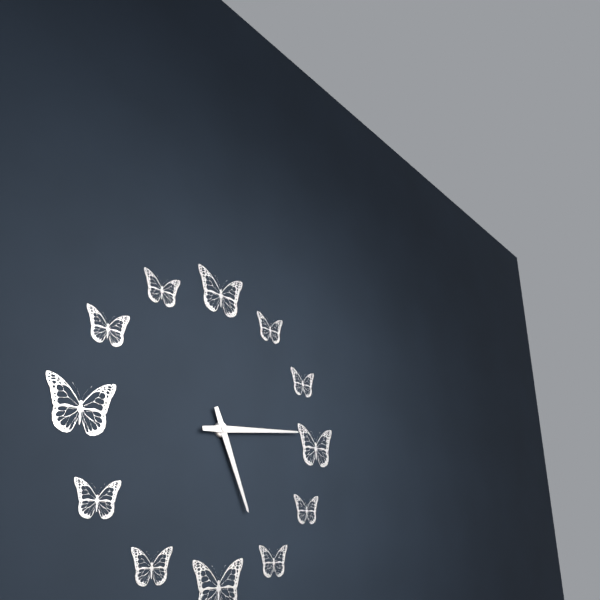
5:14
